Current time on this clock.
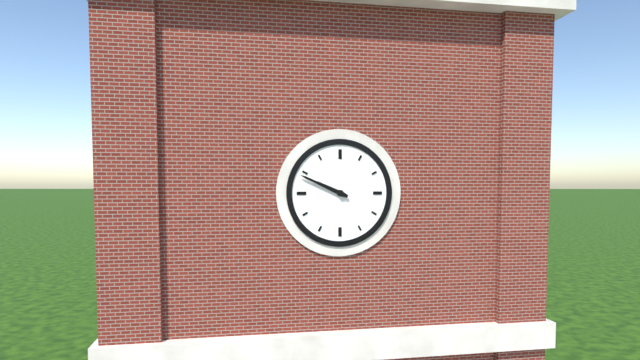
9:49
